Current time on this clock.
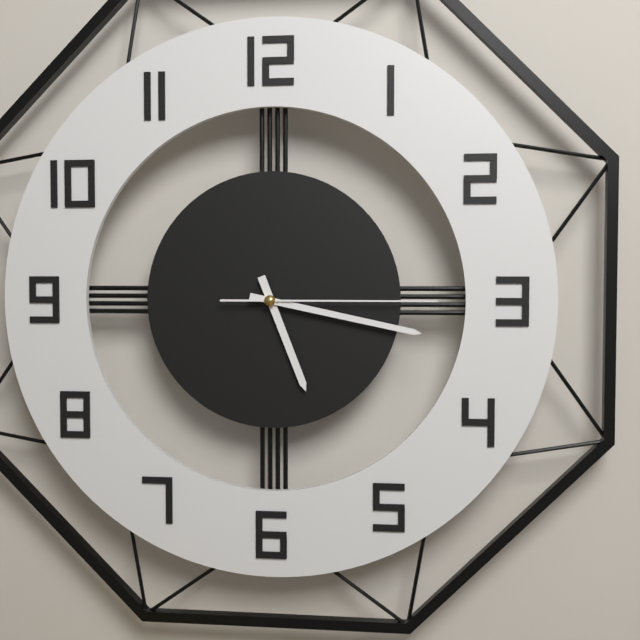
5:17:15
